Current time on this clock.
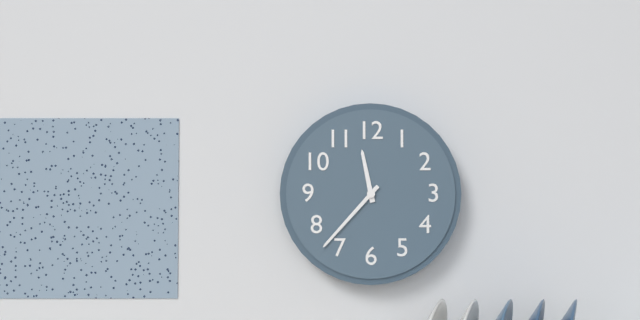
11:37
